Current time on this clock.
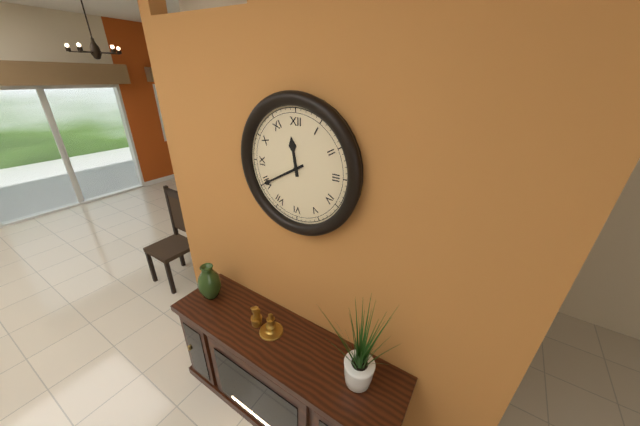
11:40
